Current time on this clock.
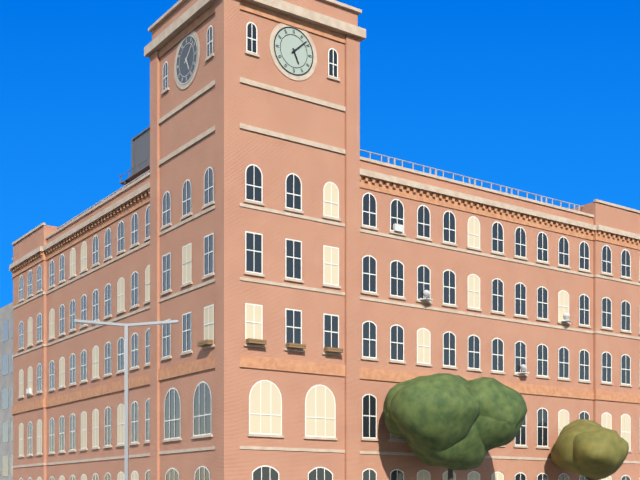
5:08
